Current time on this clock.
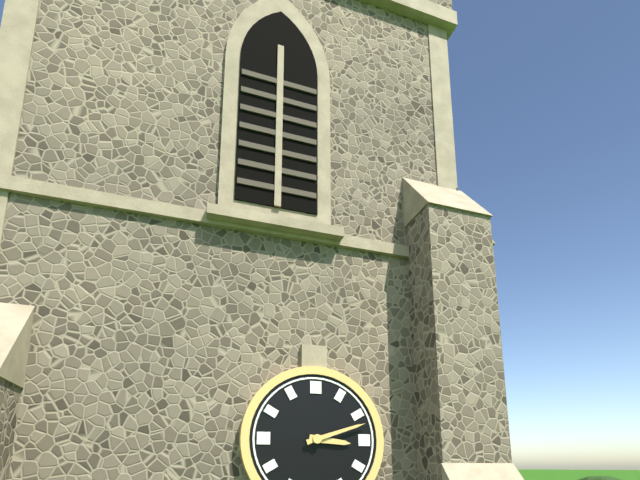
3:12
